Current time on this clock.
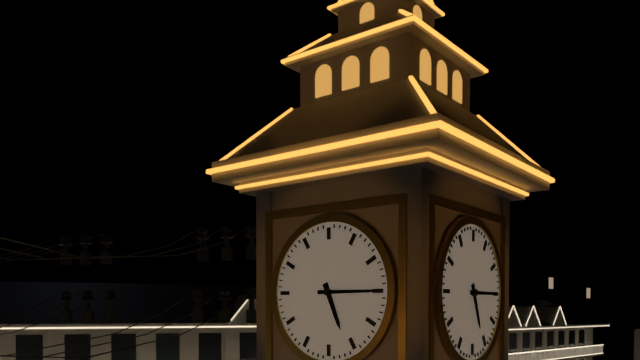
5:15
